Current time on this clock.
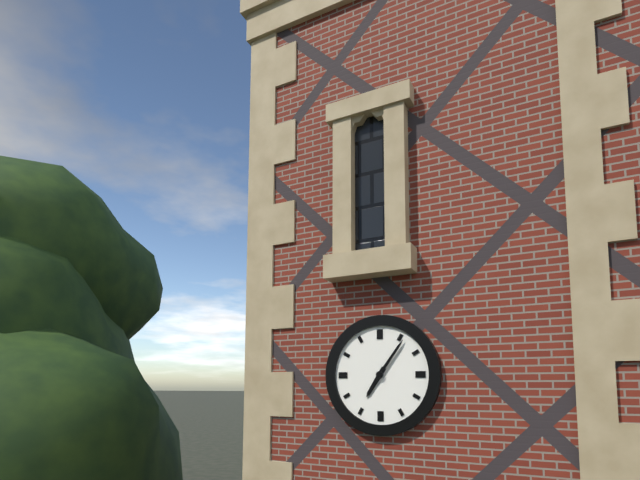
7:06
